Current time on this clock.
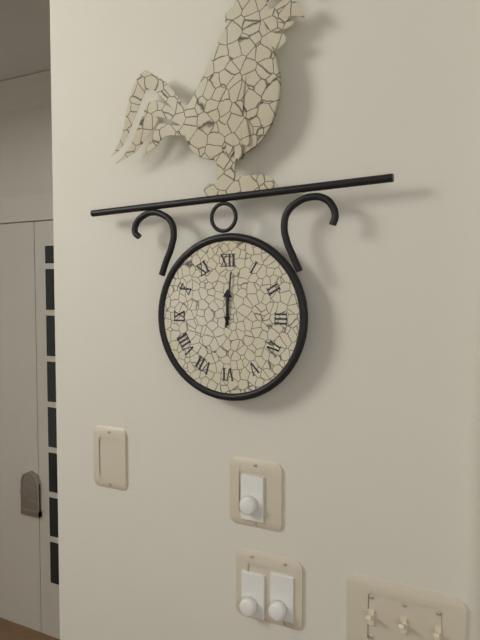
12:01
